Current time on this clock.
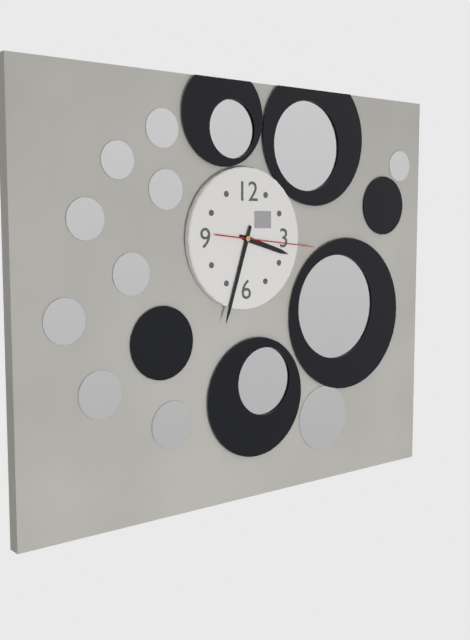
3:33:16
